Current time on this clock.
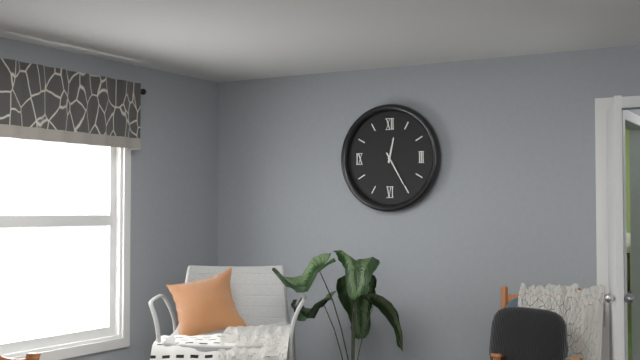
12:25
